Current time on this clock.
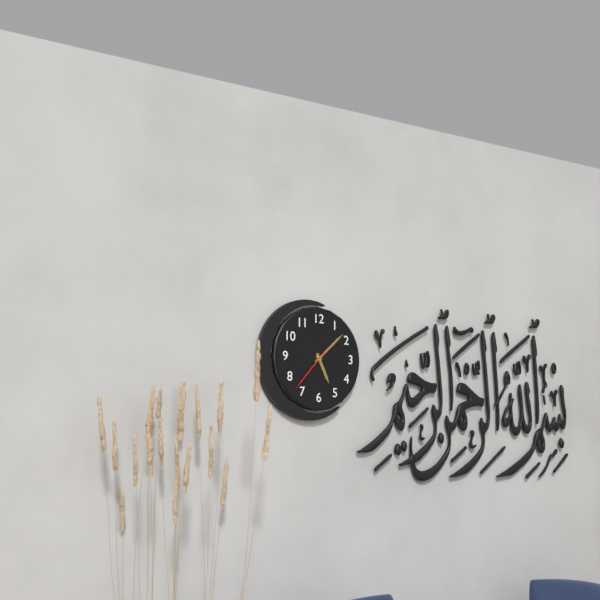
5:08
